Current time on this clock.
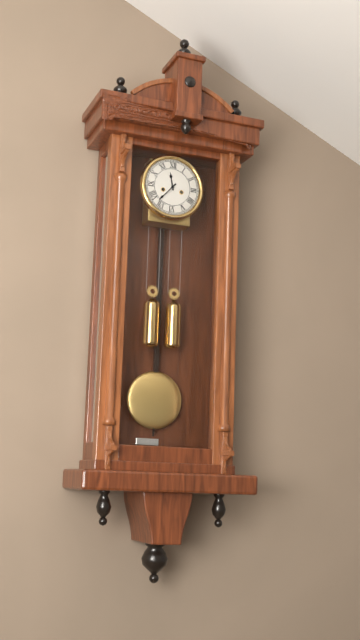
11:37
